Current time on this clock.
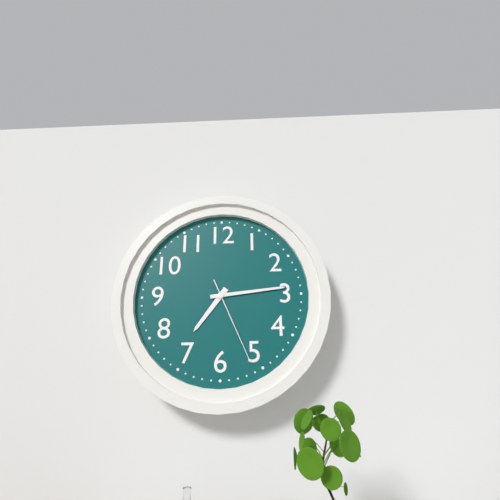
7:14:26
